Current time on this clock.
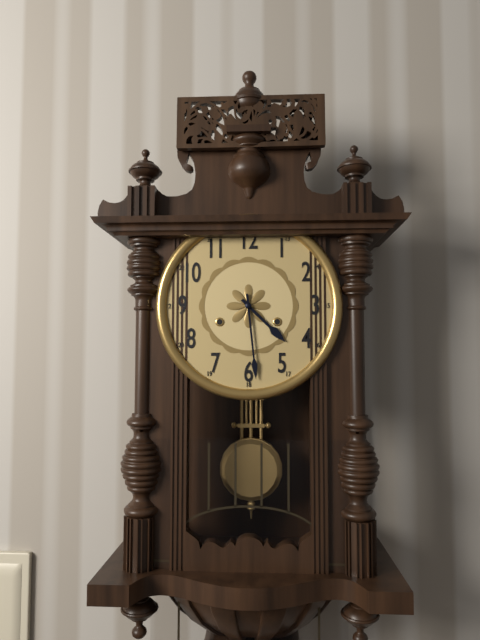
4:29
